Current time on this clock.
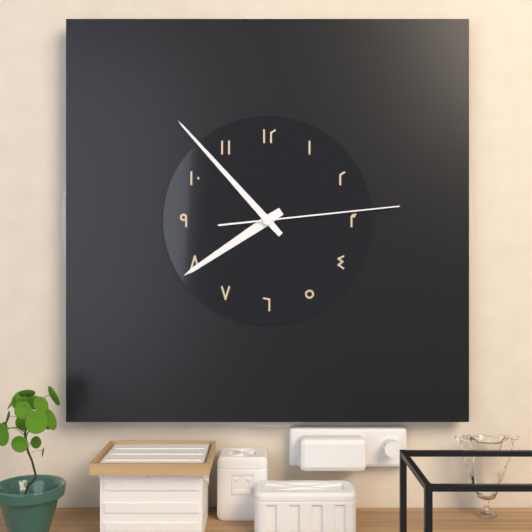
7:53:14
